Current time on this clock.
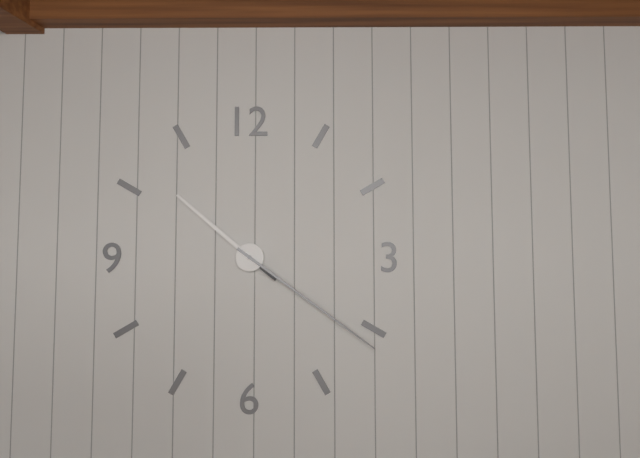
10:21
